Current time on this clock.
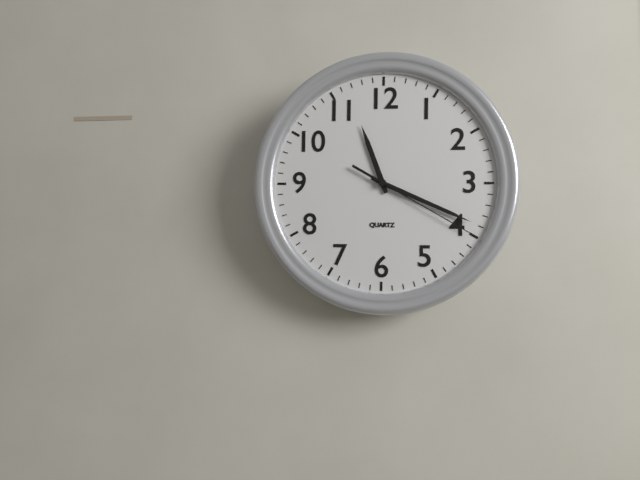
11:19:20
